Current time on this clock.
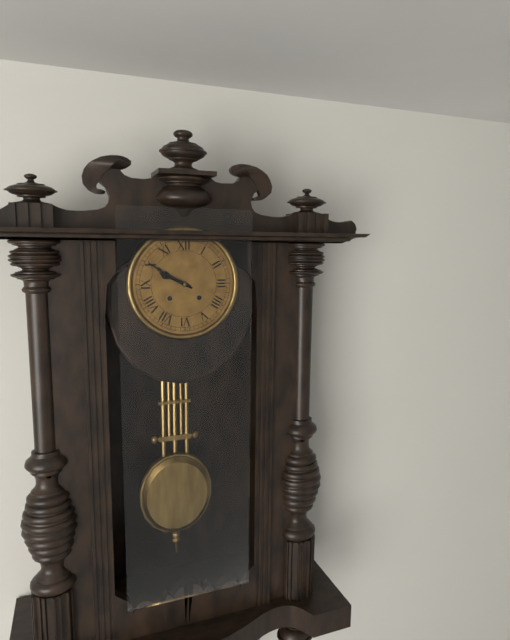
9:50
